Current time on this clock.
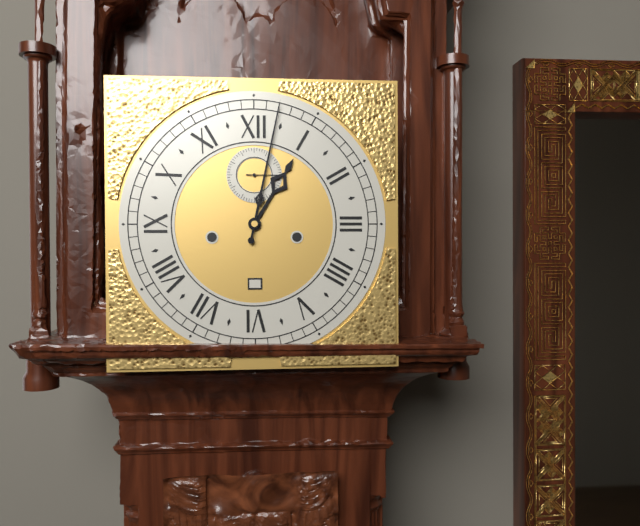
1:02
